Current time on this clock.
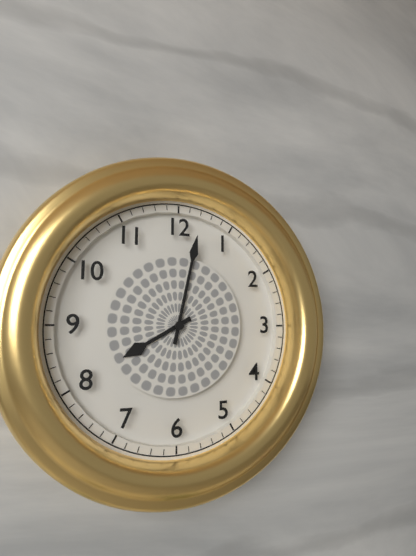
8:02
